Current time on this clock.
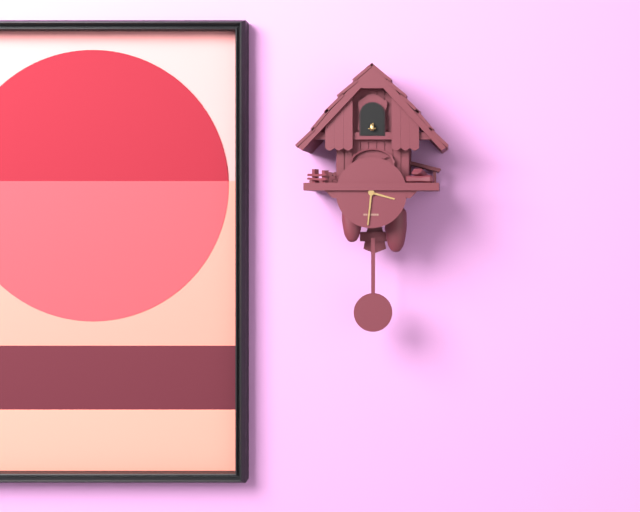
3:31
